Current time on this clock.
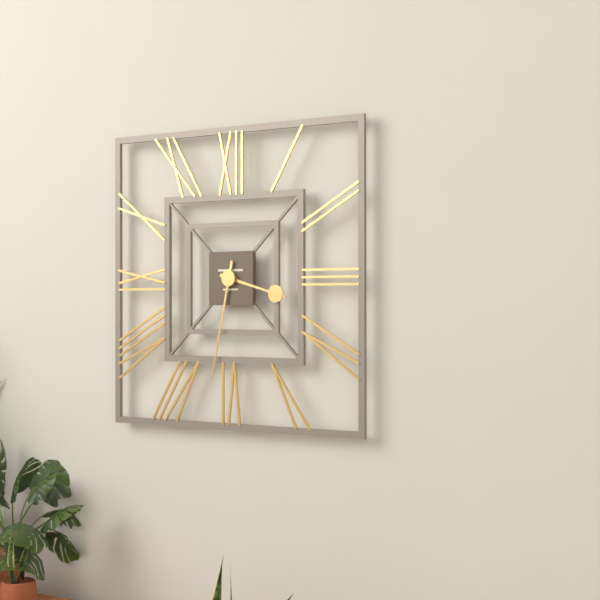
3:32
